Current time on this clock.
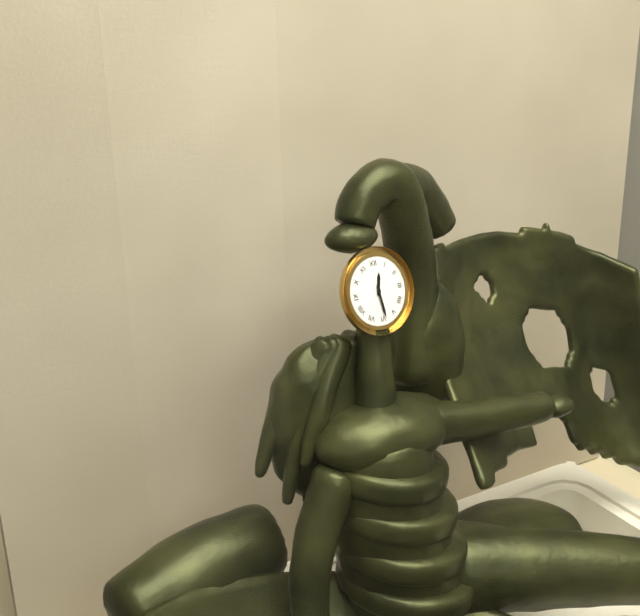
12:29
